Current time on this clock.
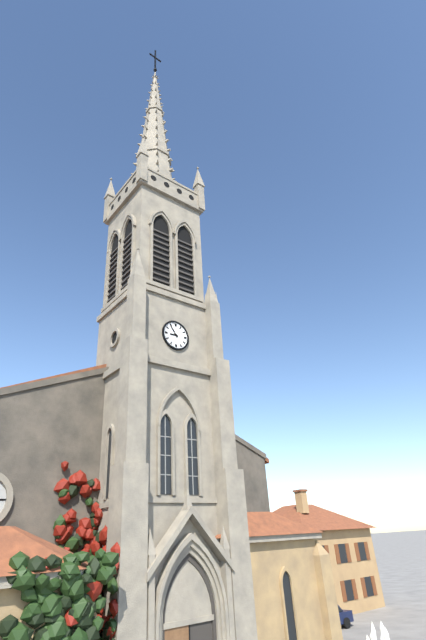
8:54
